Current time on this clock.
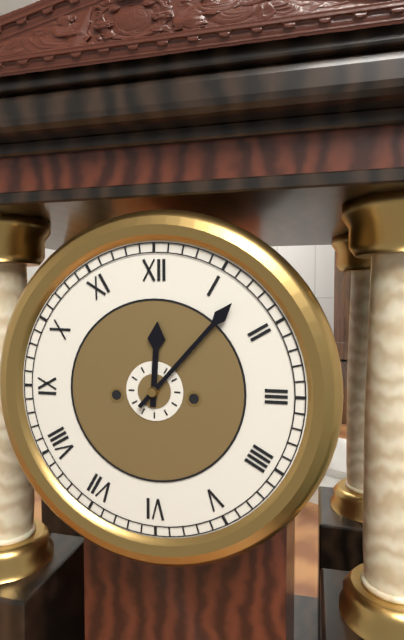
12:07
